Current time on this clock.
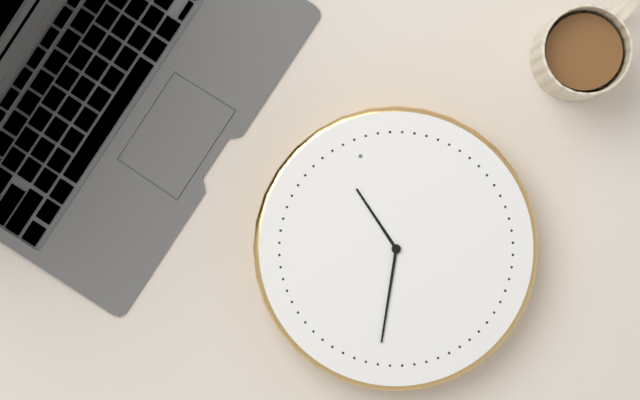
11:35
